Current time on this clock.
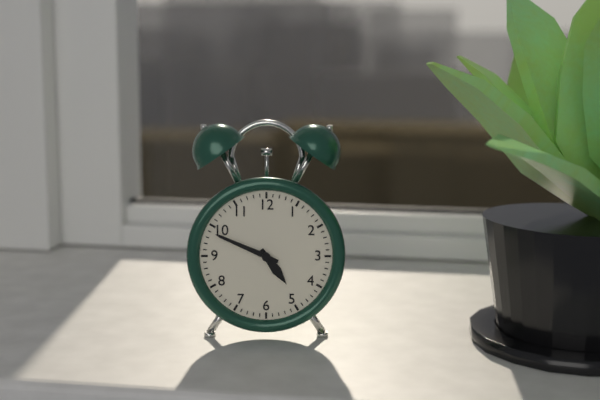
4:49
